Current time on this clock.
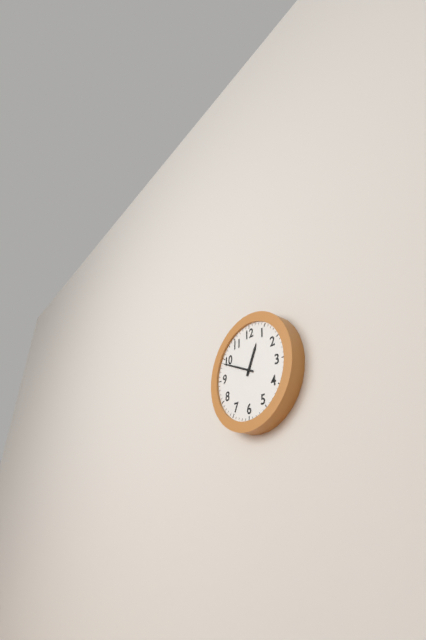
12:49
